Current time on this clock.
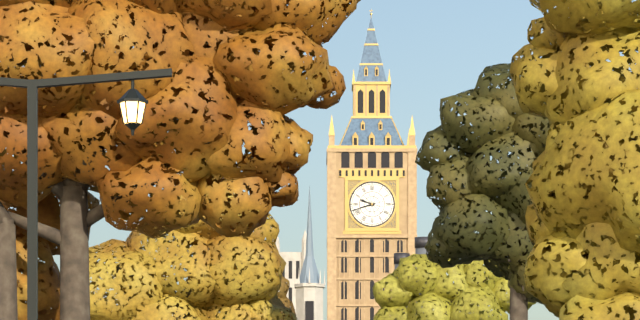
9:42
